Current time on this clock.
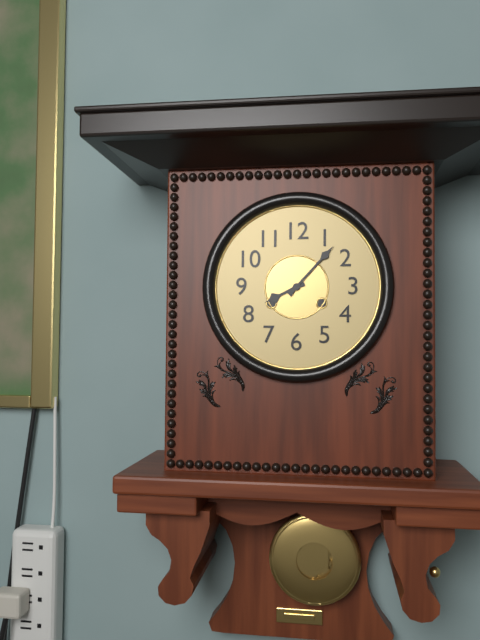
8:07
